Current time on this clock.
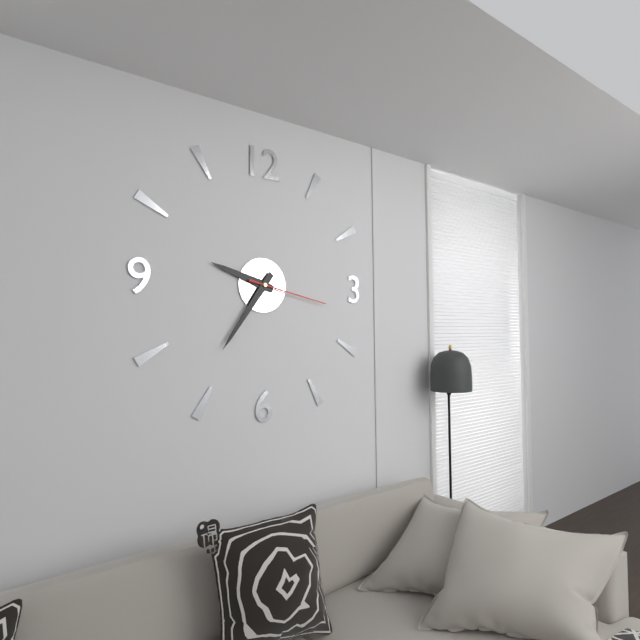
9:36:17
